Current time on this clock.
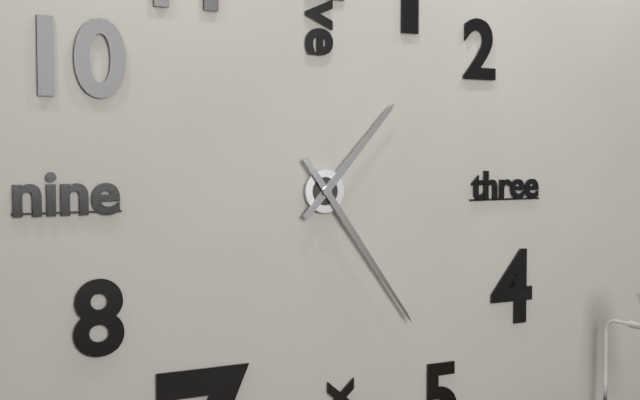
1:24
